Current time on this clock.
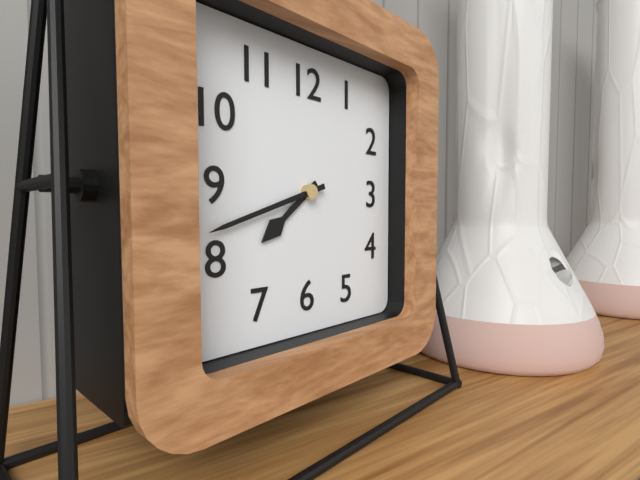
7:42
